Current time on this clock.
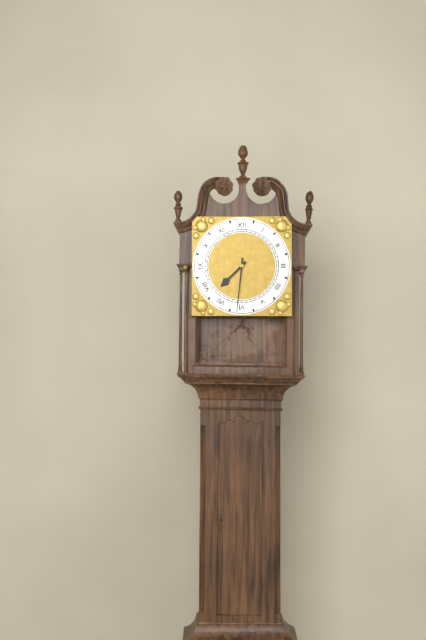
7:31
